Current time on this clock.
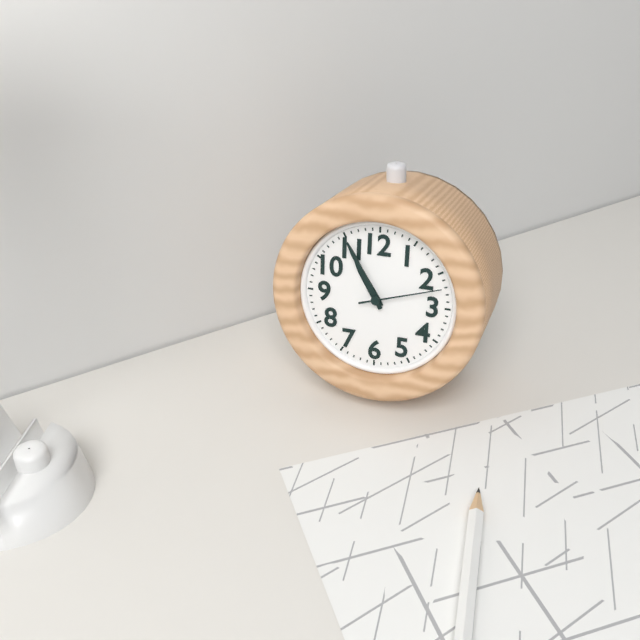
10:55:12
